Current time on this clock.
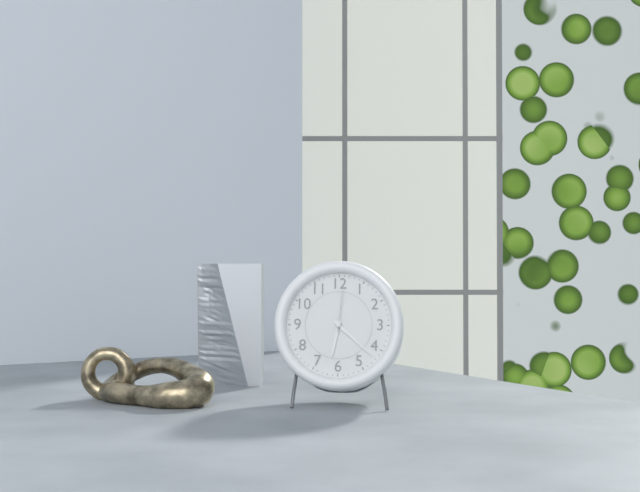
6:22
